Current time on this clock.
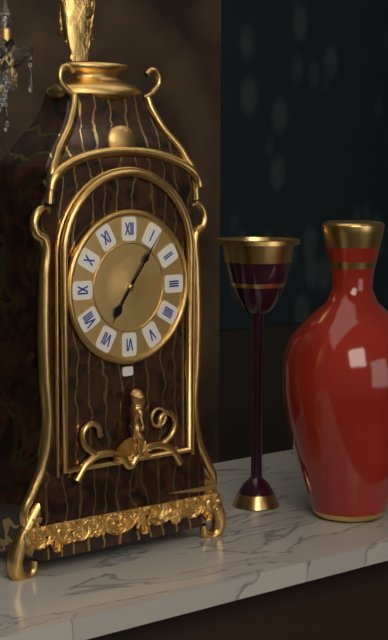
7:06
